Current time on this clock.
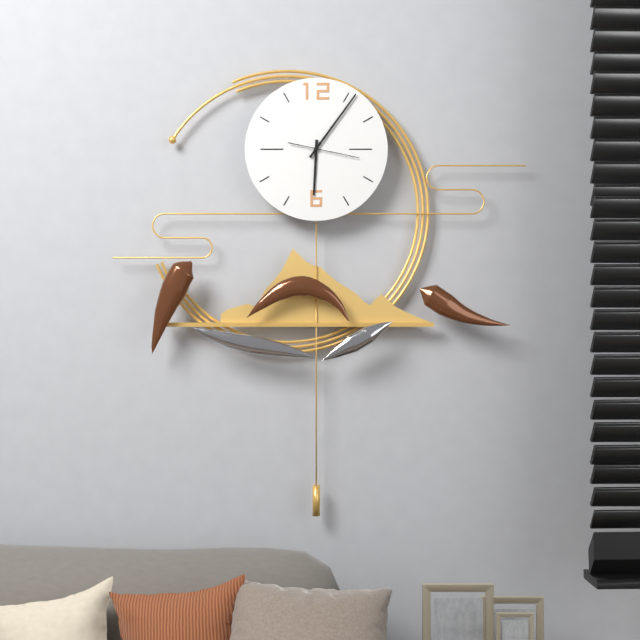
6:06:17
